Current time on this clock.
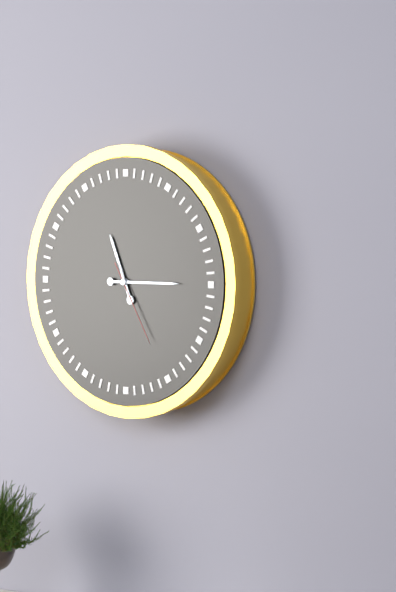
11:15:25
